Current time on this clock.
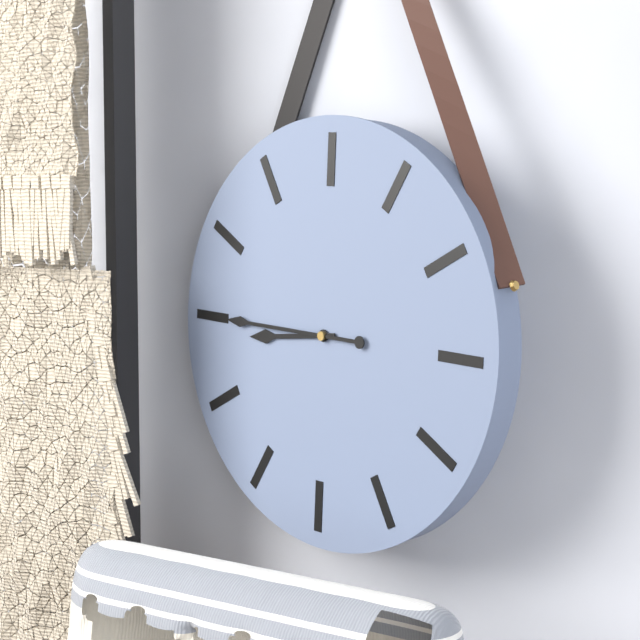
8:45
